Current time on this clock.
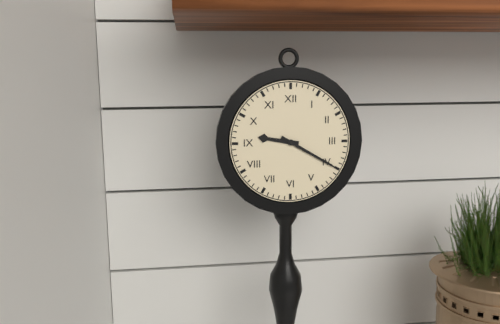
9:20
